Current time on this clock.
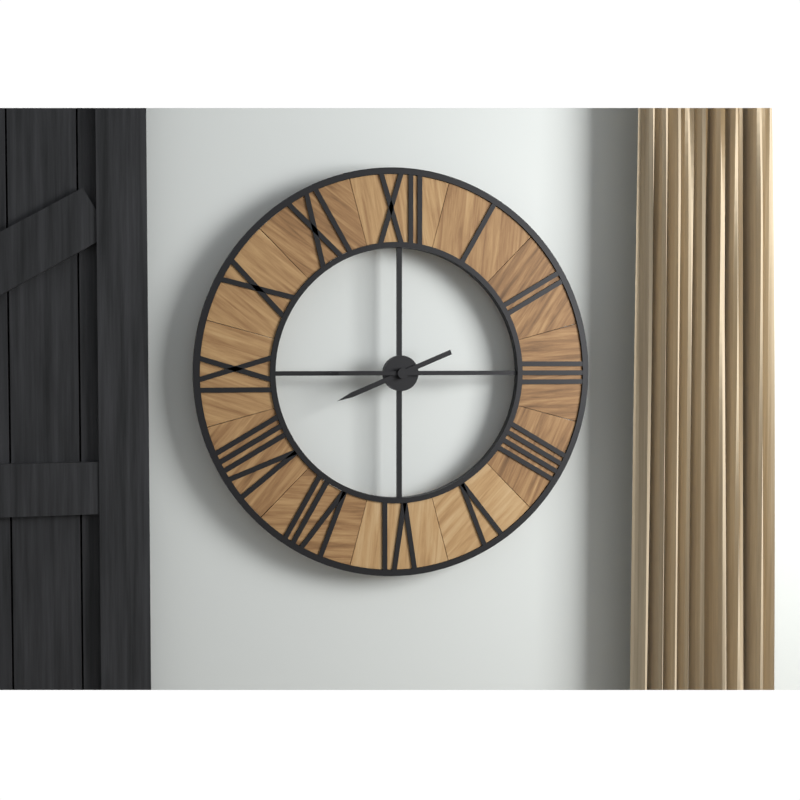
8:15
